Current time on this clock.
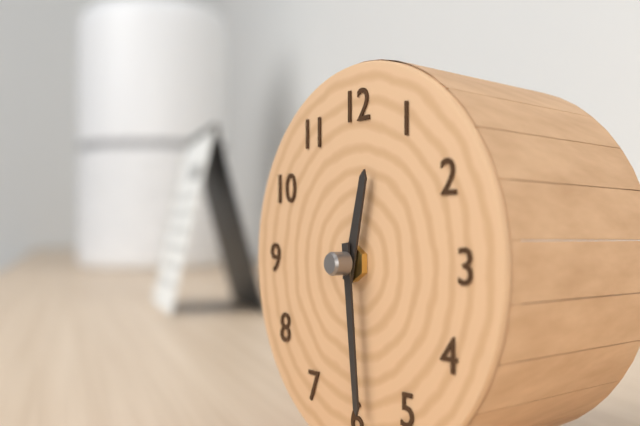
12:29
